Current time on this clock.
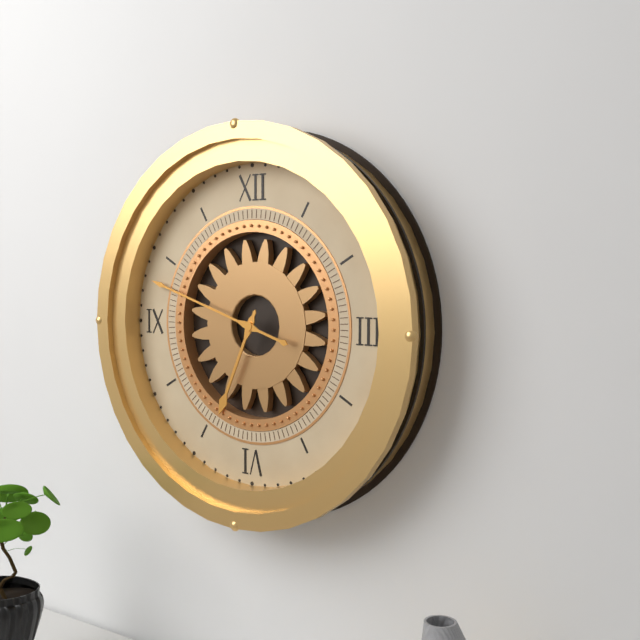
6:48
